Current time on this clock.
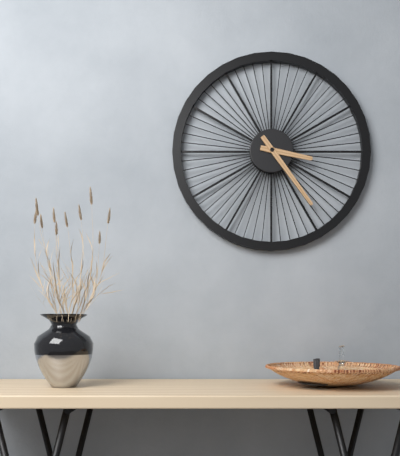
3:24
